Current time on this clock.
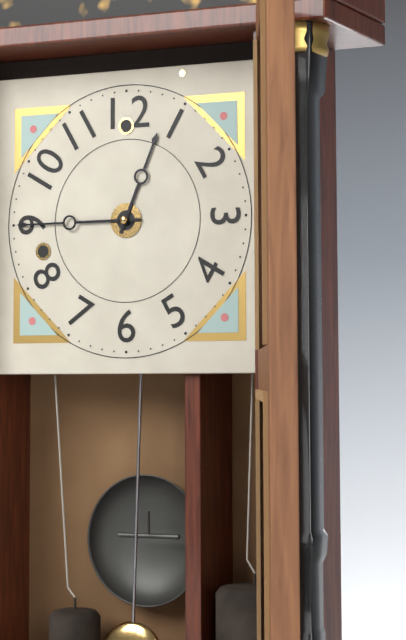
12:45
